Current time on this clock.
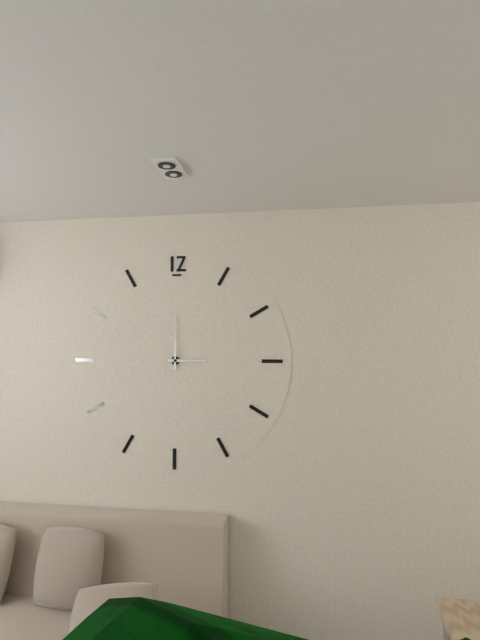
3:00
